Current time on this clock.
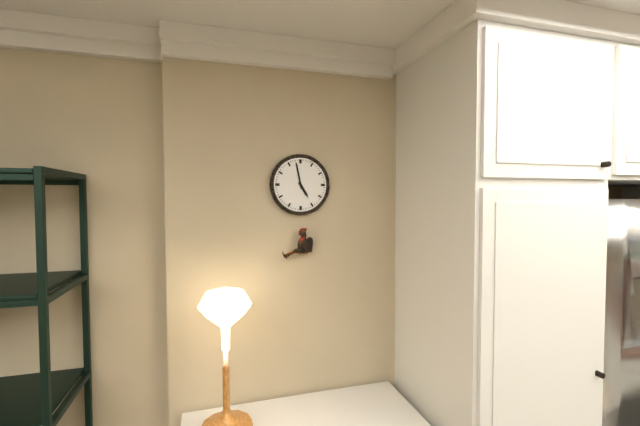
4:58
